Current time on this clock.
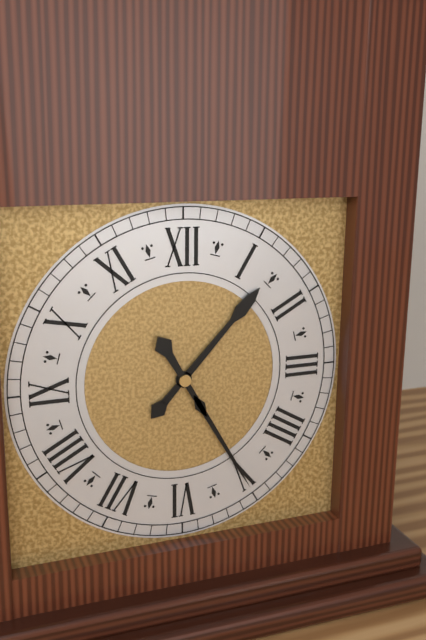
1:25
